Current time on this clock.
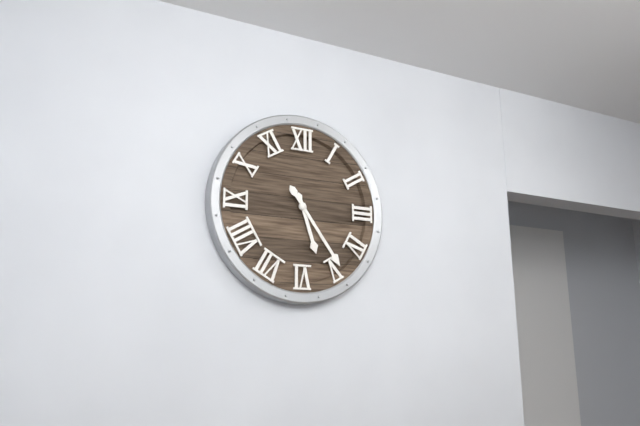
5:24
